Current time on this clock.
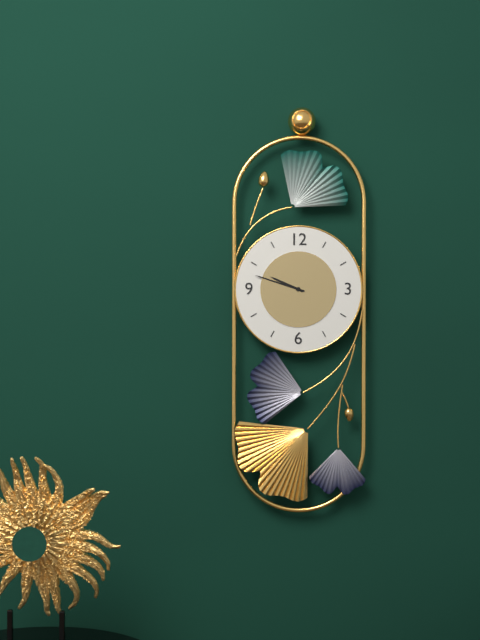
9:48
